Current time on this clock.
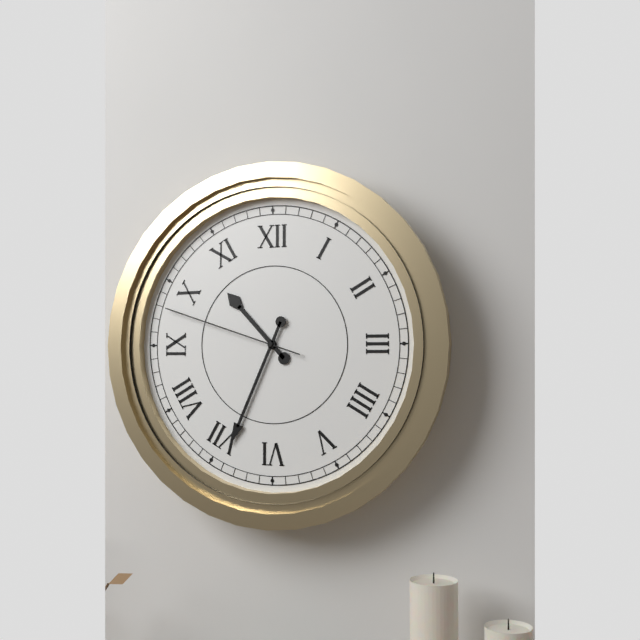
10:34:48
